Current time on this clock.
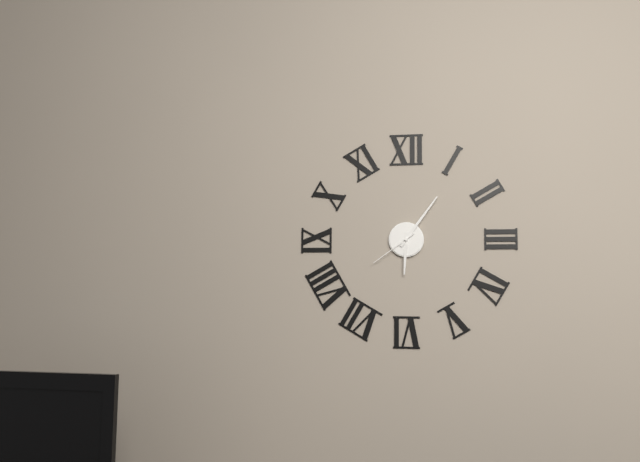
6:06:39
